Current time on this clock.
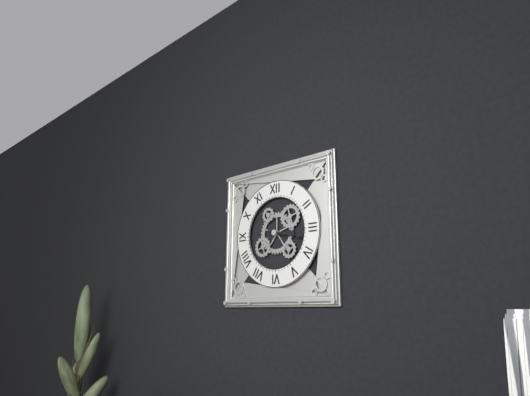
3:17
